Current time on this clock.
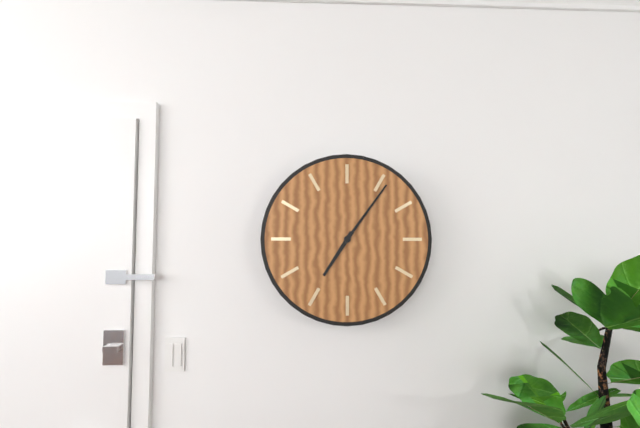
7:06
